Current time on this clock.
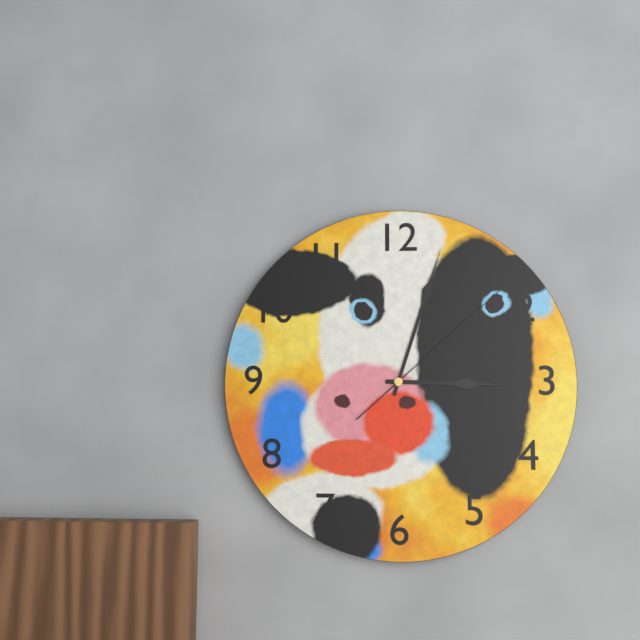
3:03:08
